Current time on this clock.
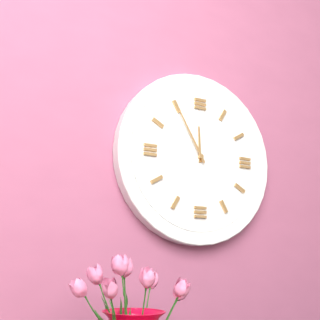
11:55
